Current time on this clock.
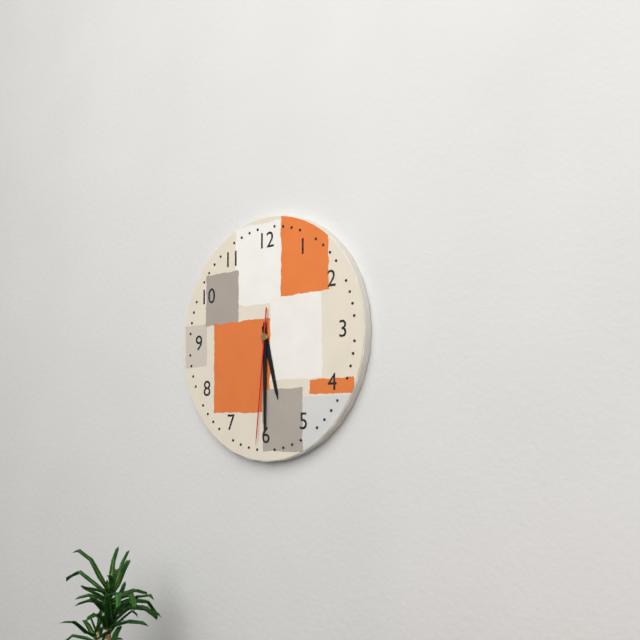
5:30:31
